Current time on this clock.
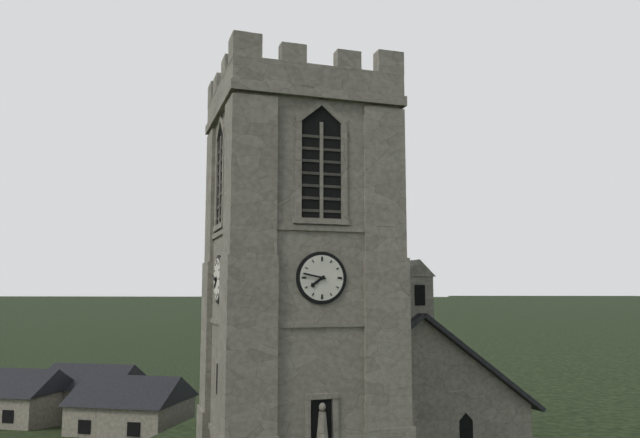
7:47
